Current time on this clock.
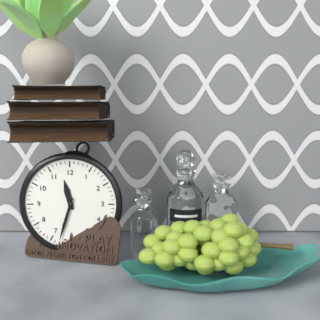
11:33
